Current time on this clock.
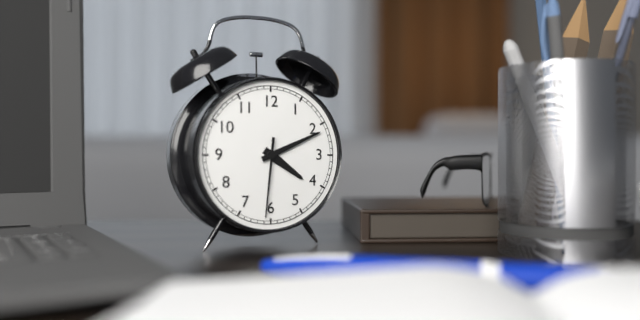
4:11:31
